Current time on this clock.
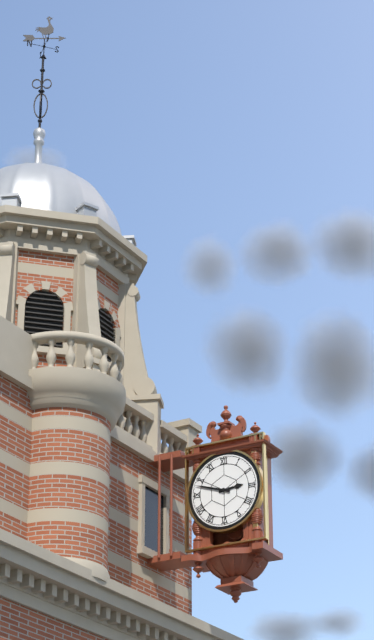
2:48
